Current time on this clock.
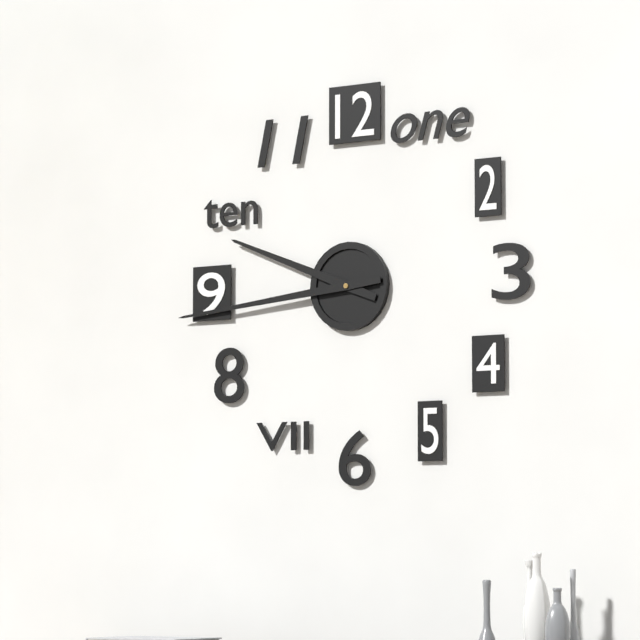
9:44
